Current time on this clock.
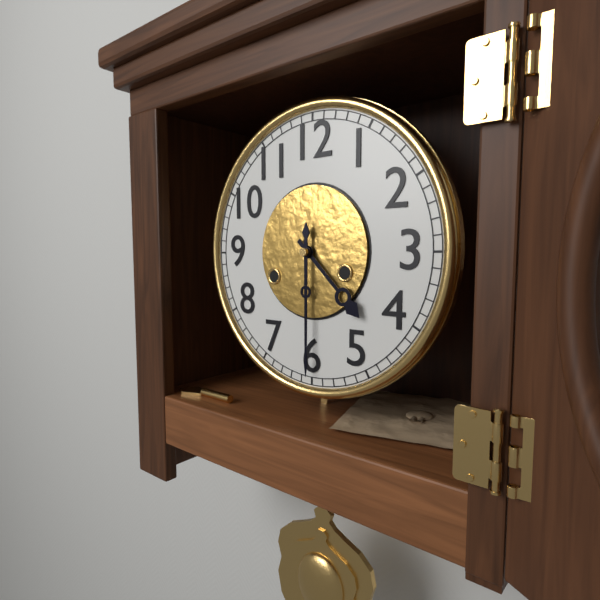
4:30
